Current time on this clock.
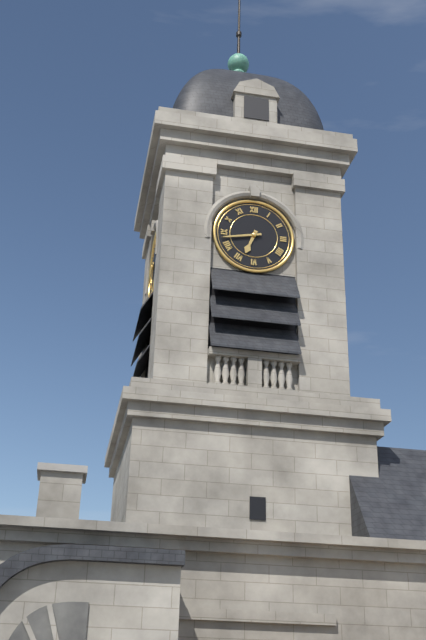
6:43
